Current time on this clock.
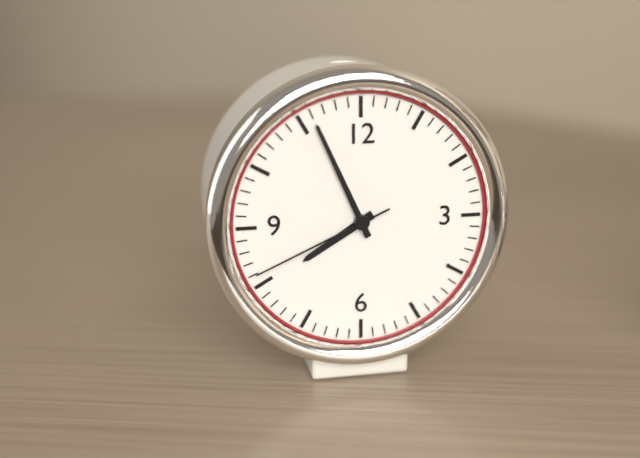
7:56:41
